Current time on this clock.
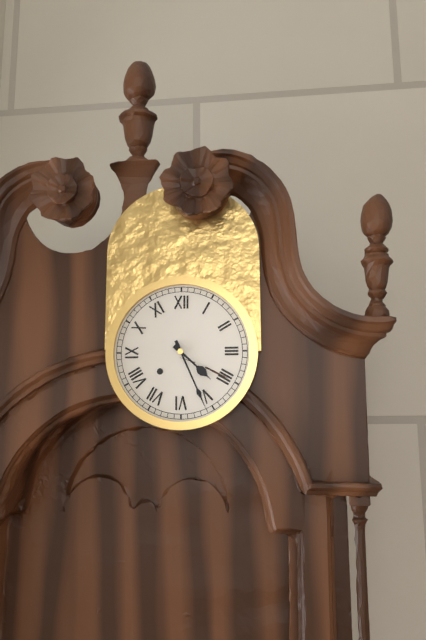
4:26
